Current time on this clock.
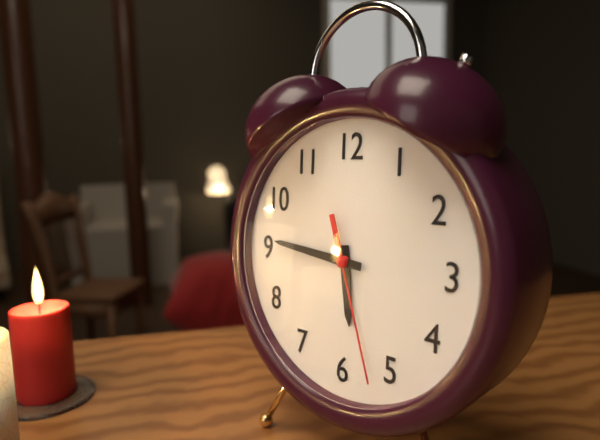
5:46:27
